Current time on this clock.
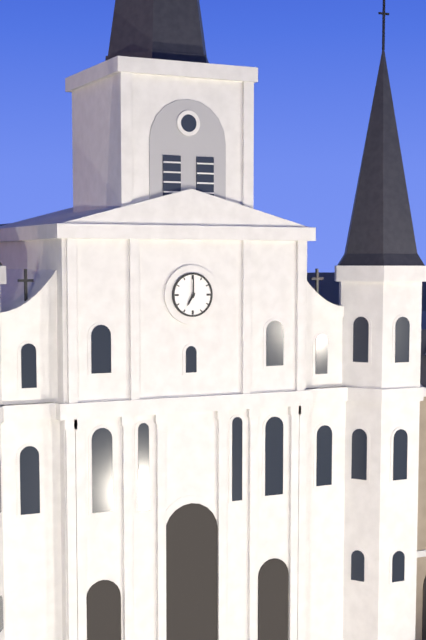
7:00
